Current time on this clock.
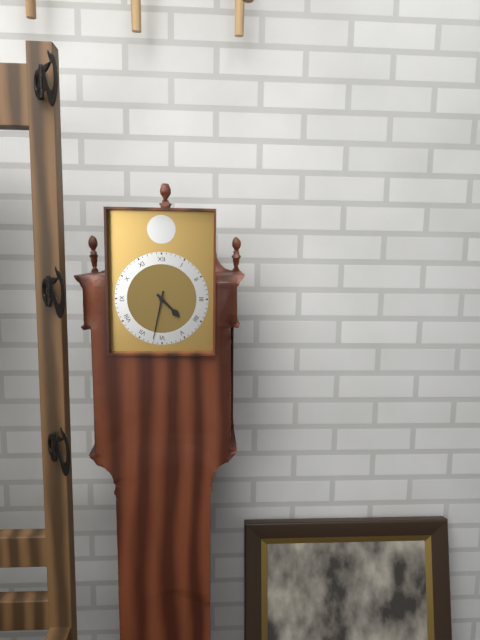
4:32
